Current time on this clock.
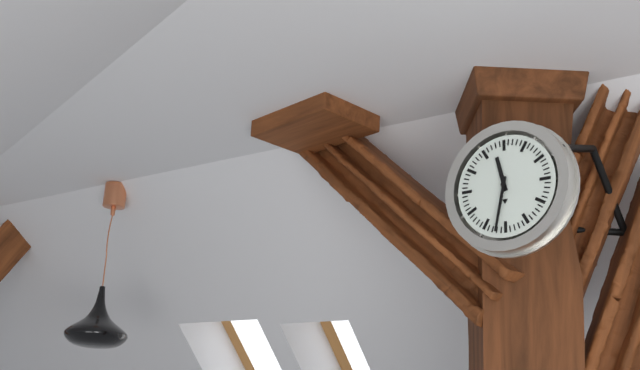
11:32
